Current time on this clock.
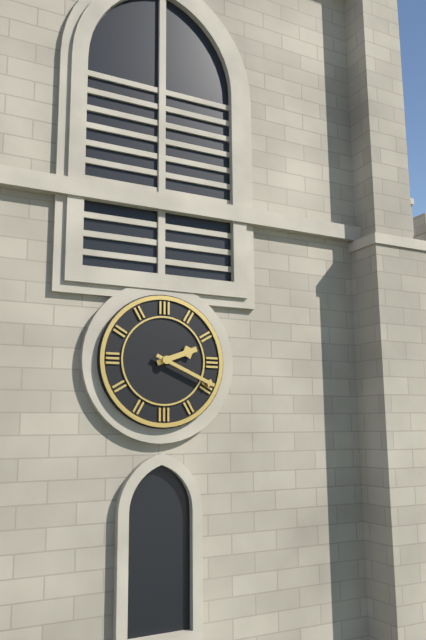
2:19
